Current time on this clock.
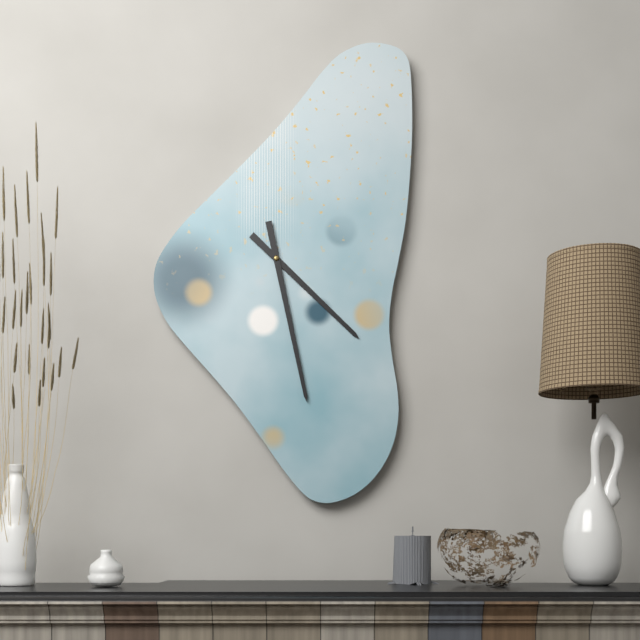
4:28
